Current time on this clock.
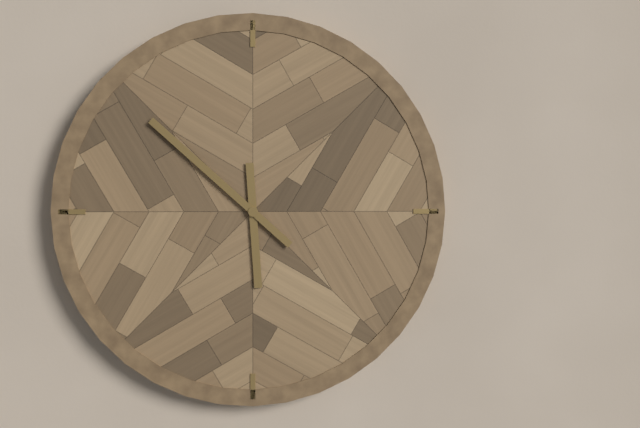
5:52
